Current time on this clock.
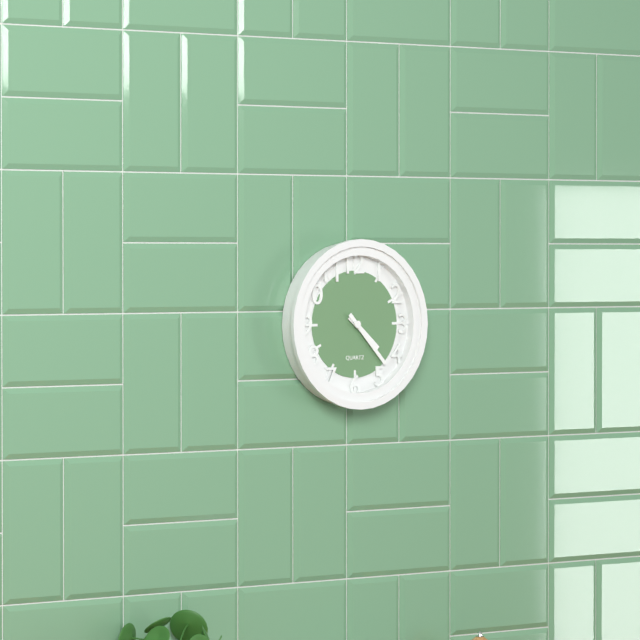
4:23
